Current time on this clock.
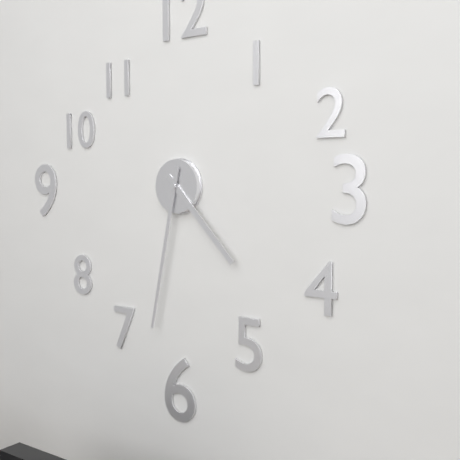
4:32
